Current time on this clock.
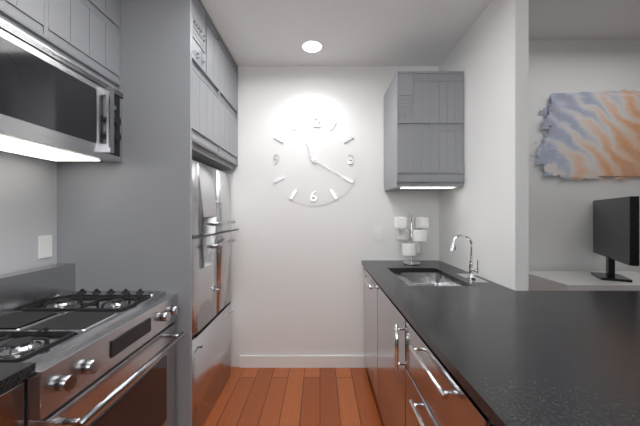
11:20
